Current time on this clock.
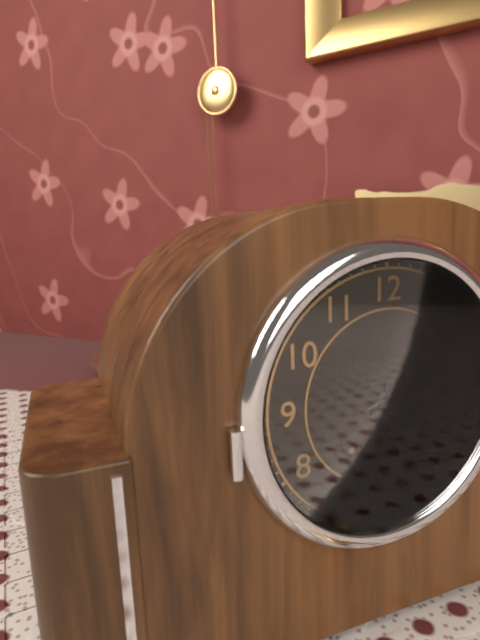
6:11
